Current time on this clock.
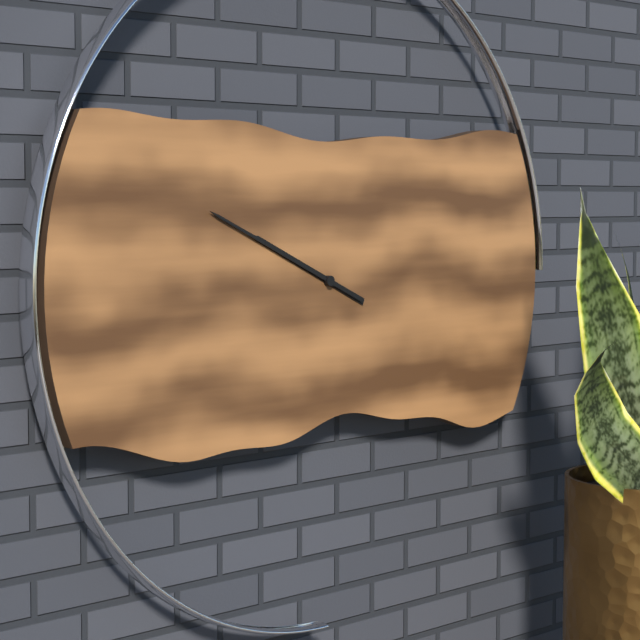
9:49
